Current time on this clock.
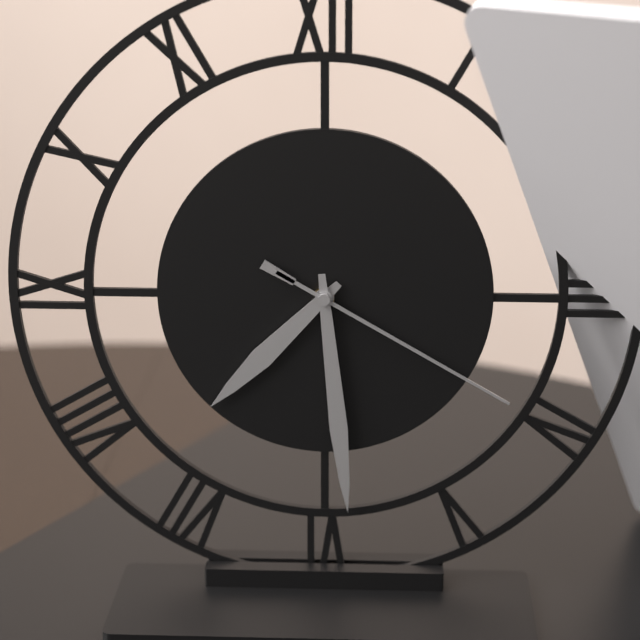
7:29:20
